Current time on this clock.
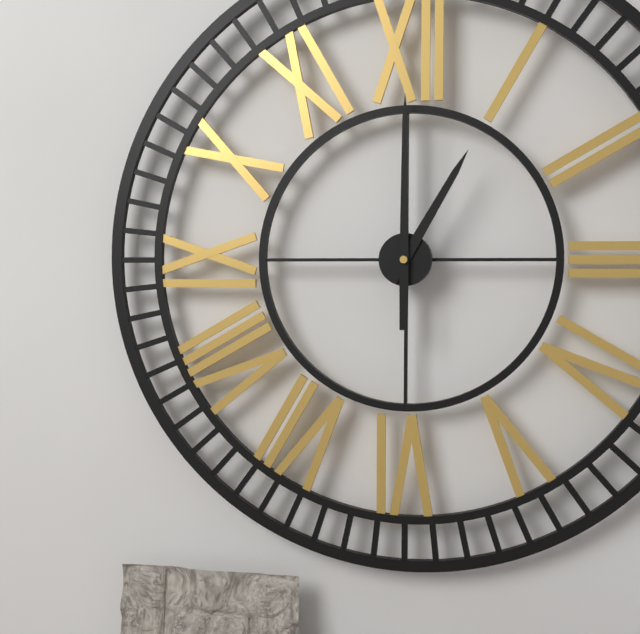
1:00
